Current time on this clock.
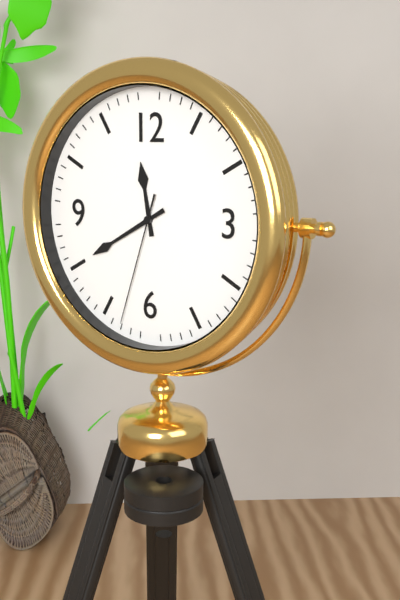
11:40:33
